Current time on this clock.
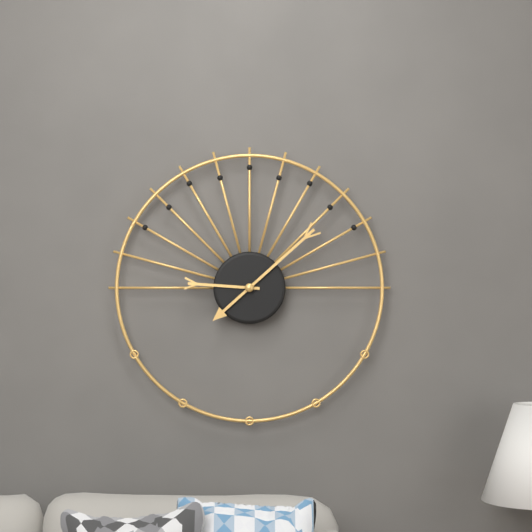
9:08
